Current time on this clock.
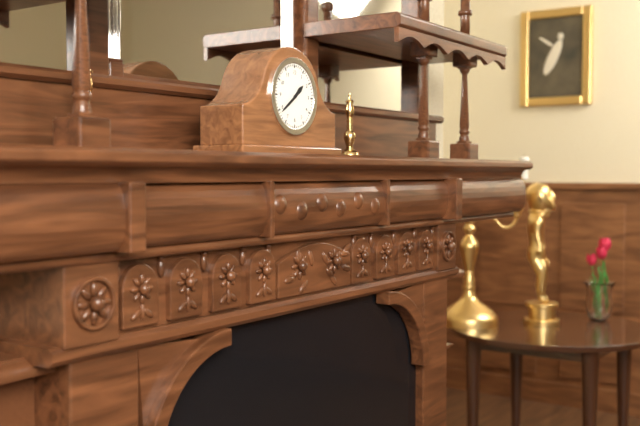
1:39
